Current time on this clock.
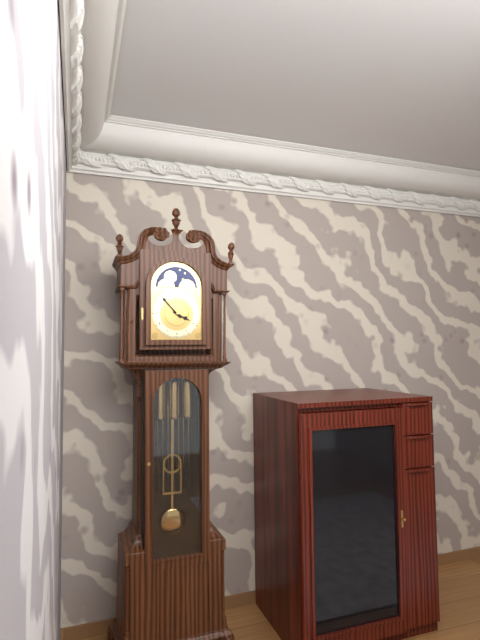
3:53
